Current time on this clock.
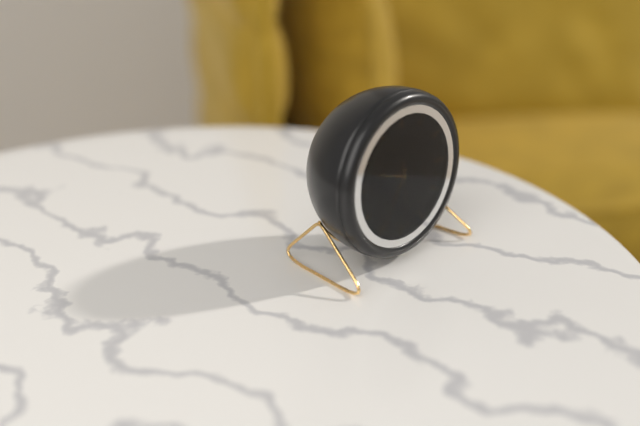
9:35:29
